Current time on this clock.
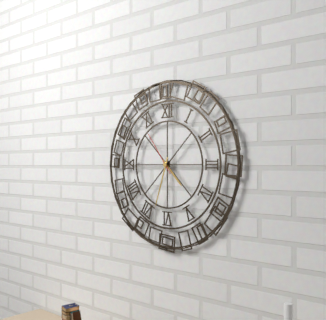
4:33
